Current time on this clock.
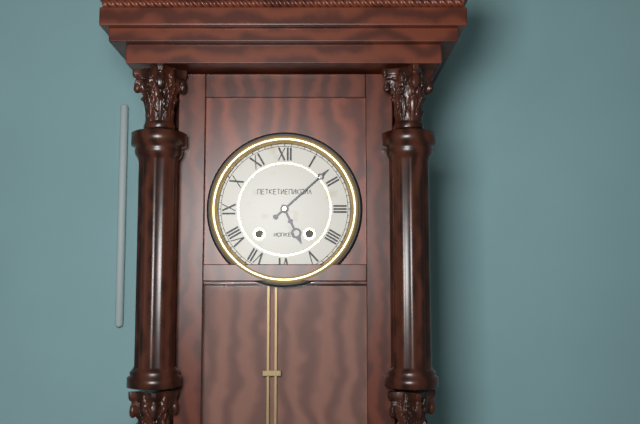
5:08
